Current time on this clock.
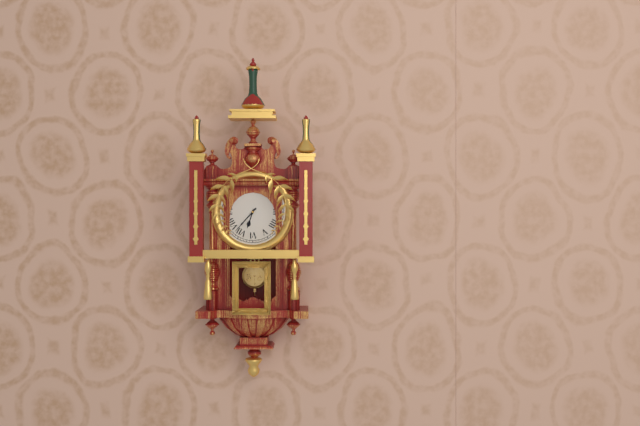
6:37
